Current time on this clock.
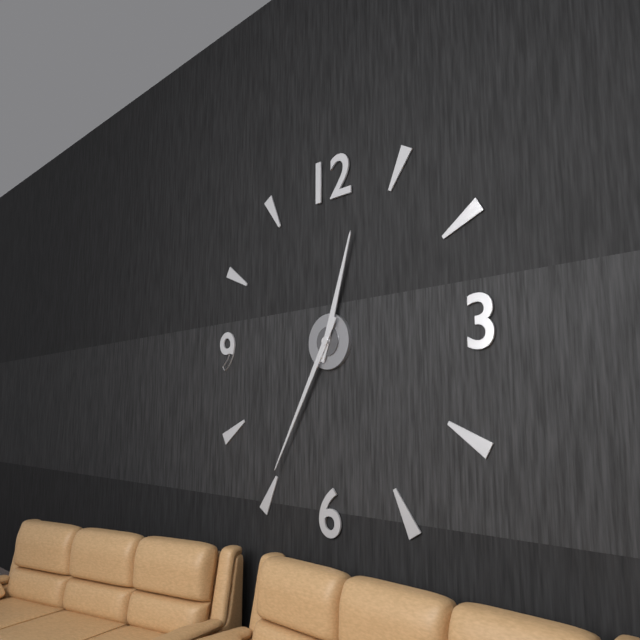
12:35
